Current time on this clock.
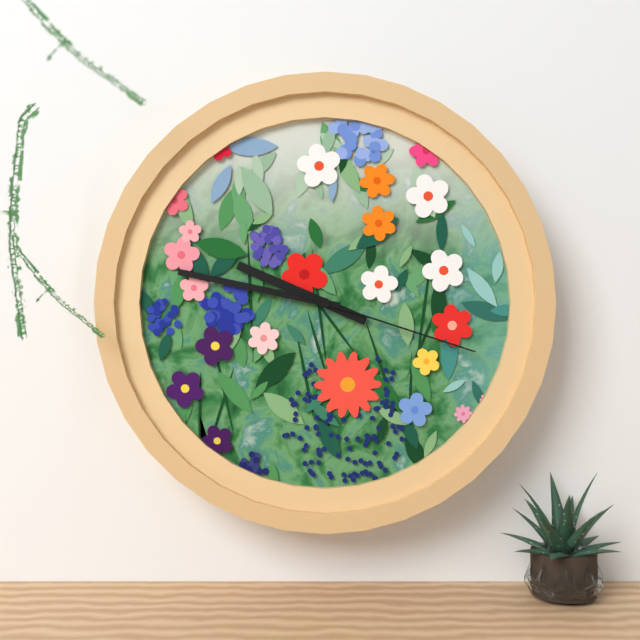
9:47:18
